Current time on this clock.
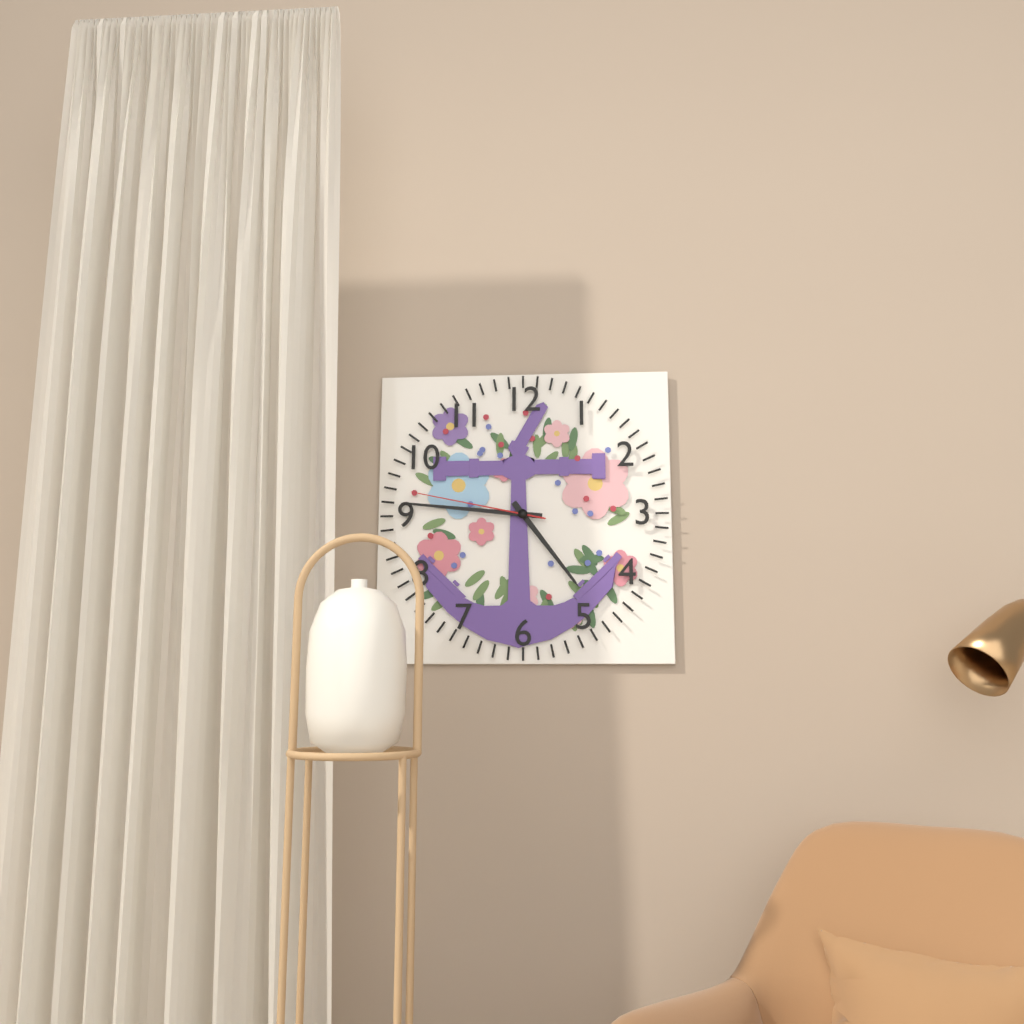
4:46:47
